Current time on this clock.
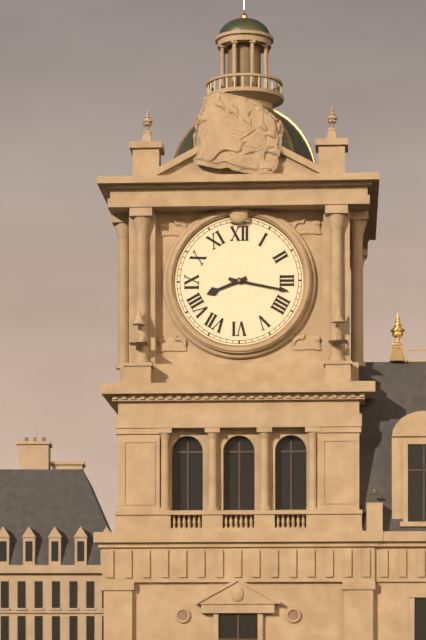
8:17
